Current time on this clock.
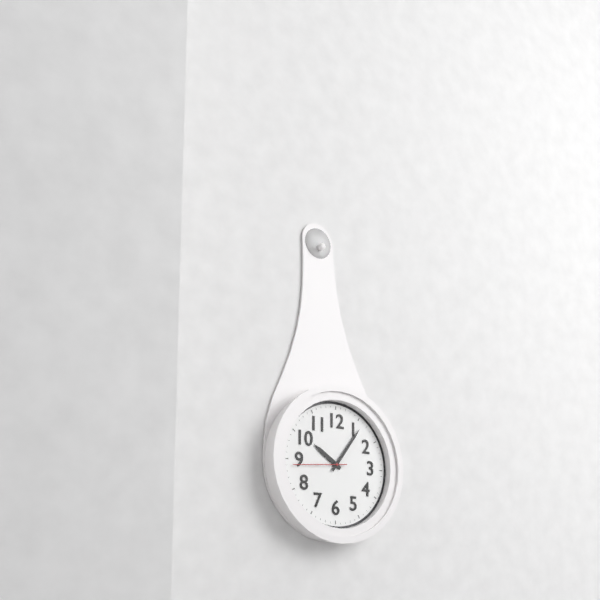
10:06:44
